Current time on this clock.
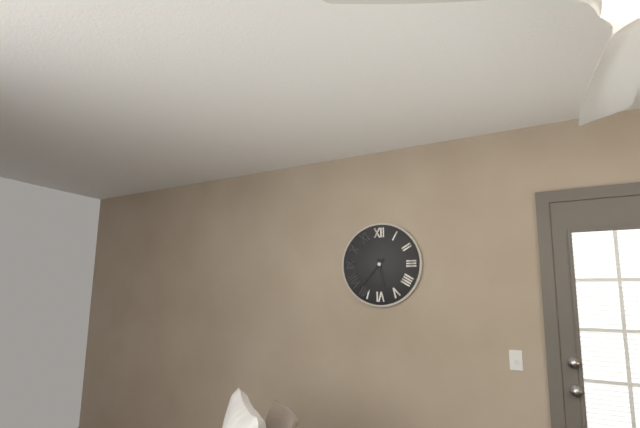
5:37
